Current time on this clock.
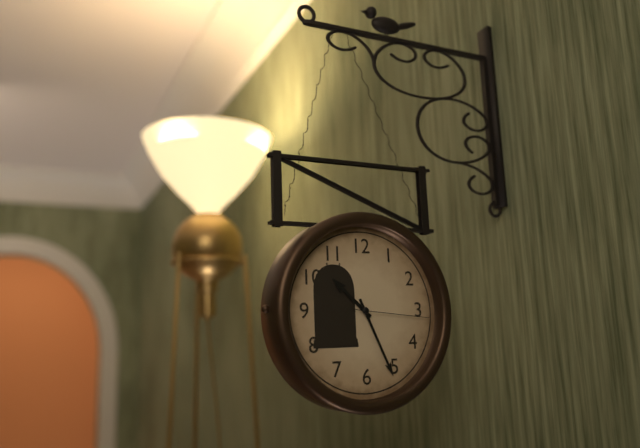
10:26:16
